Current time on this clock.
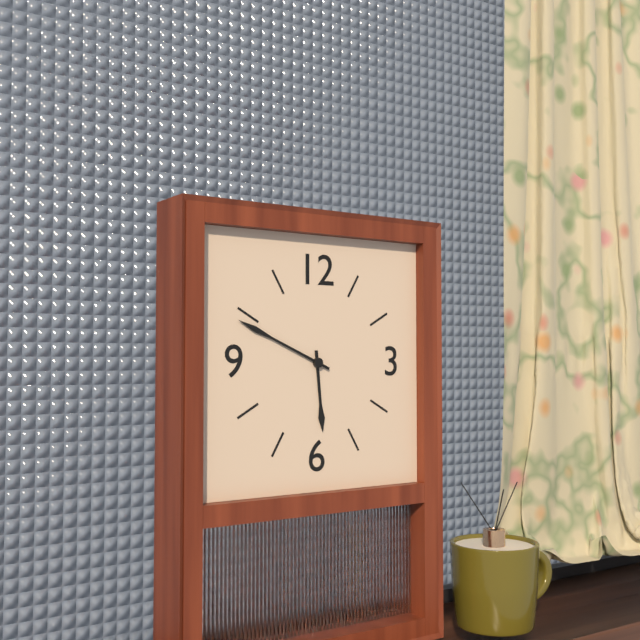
5:49
